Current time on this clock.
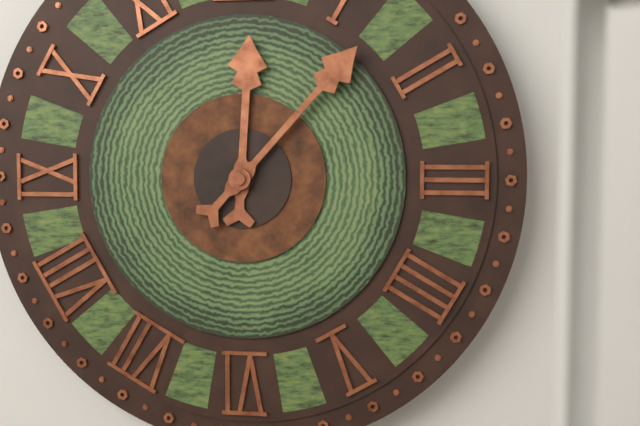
12:07
